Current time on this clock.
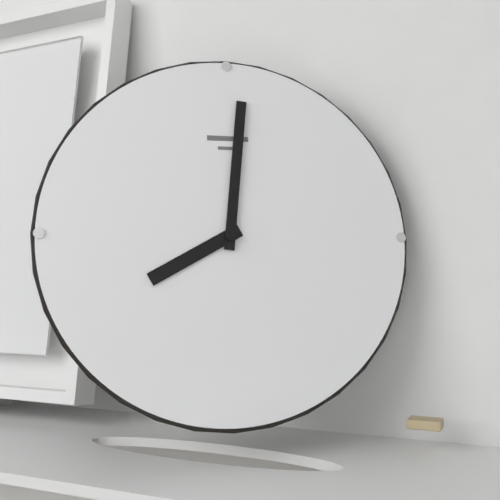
8:01
